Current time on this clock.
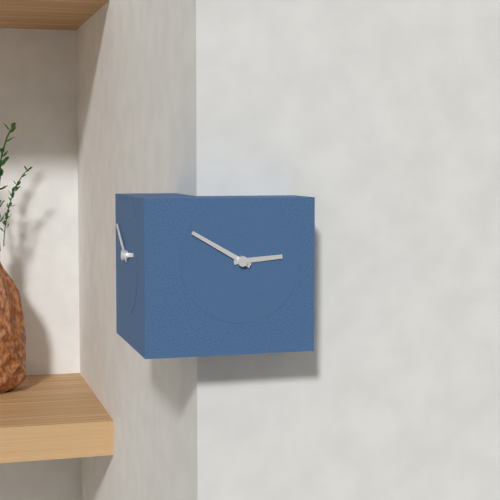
2:50
